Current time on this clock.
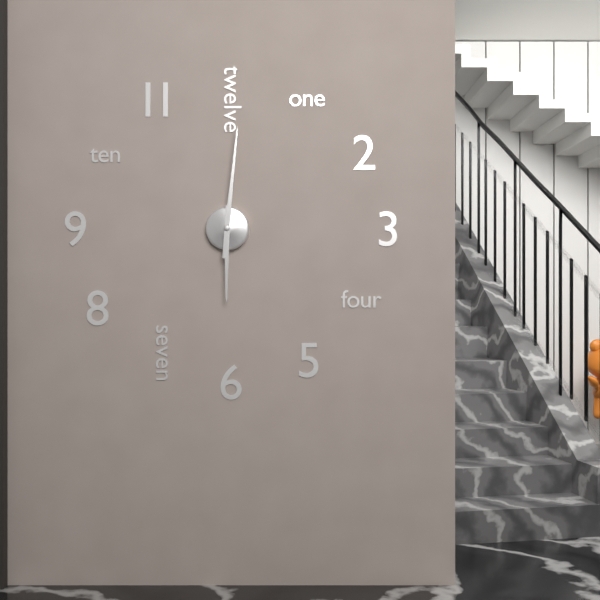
6:01
